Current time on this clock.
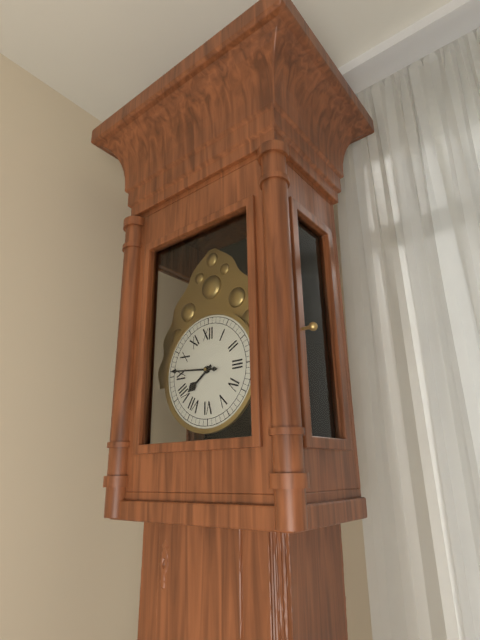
7:46
